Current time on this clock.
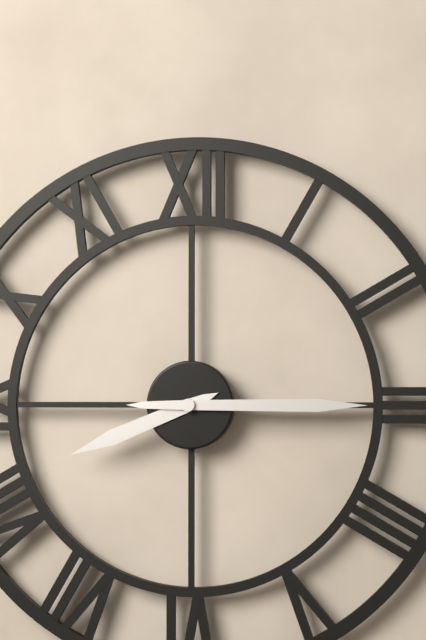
8:15
